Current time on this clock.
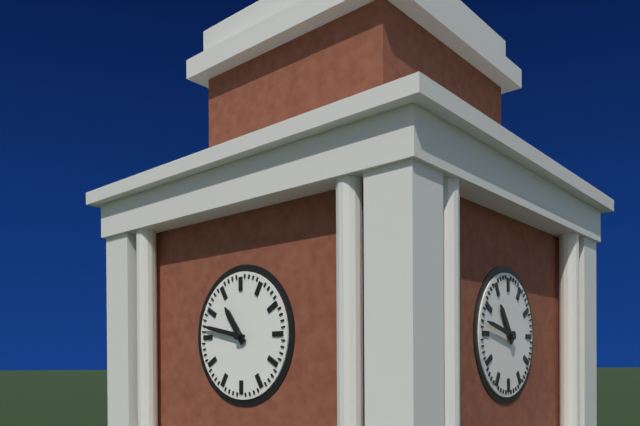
10:47
